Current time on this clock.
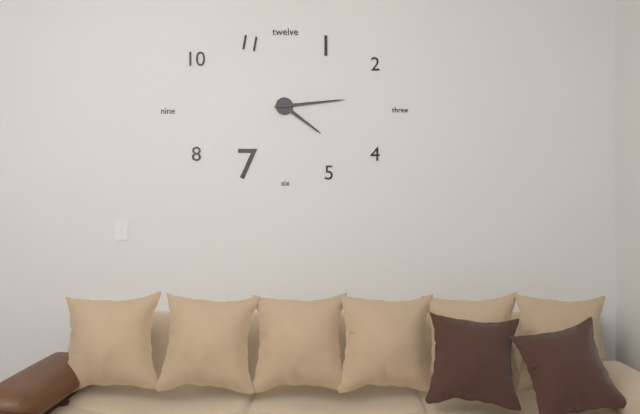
4:14
